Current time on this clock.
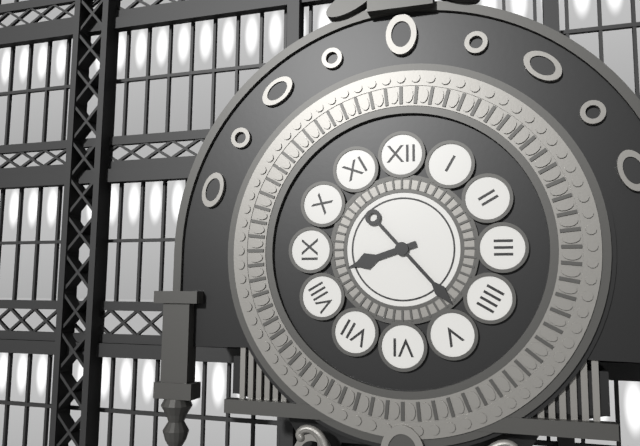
8:23
